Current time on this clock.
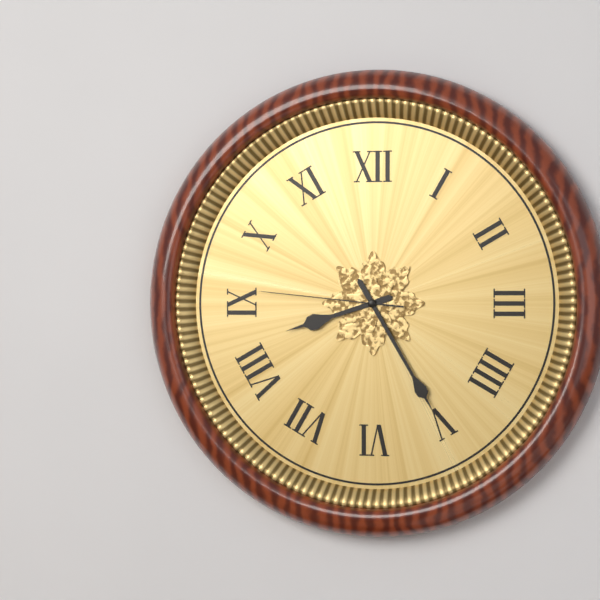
8:25:46
